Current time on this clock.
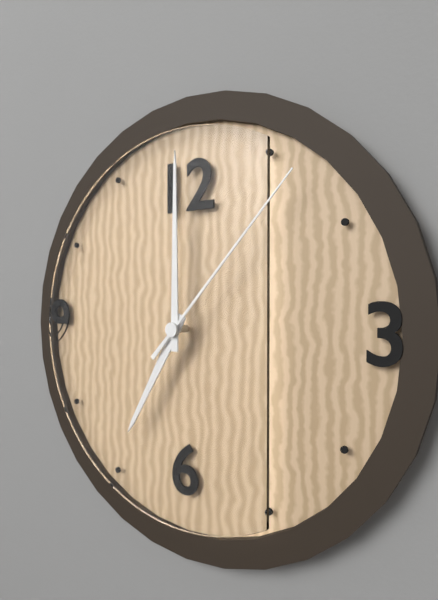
7:00:07
